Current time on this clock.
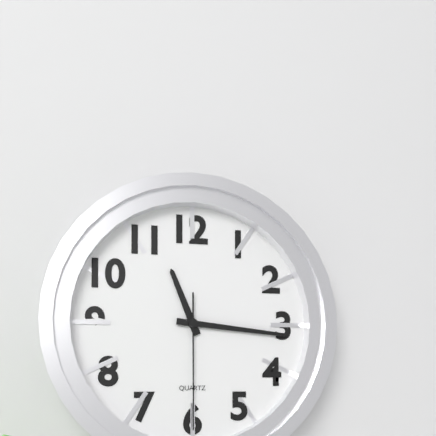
11:16:30
